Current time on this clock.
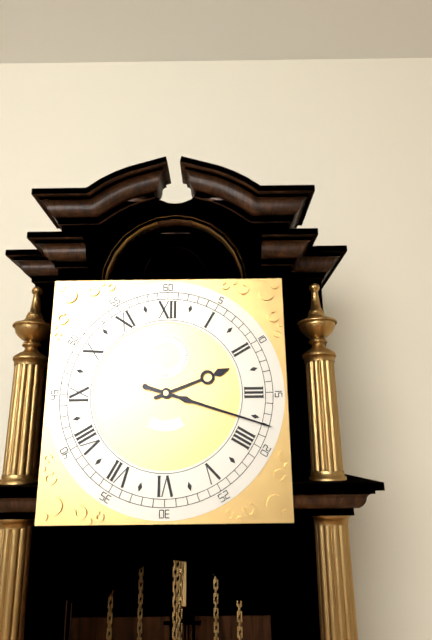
2:18
